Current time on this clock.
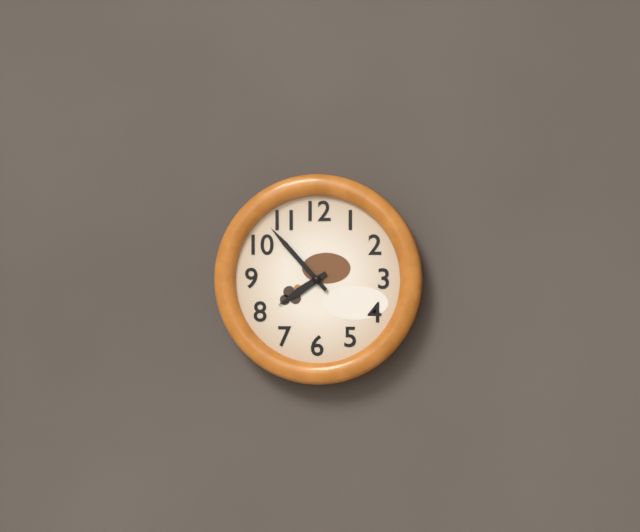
7:53
